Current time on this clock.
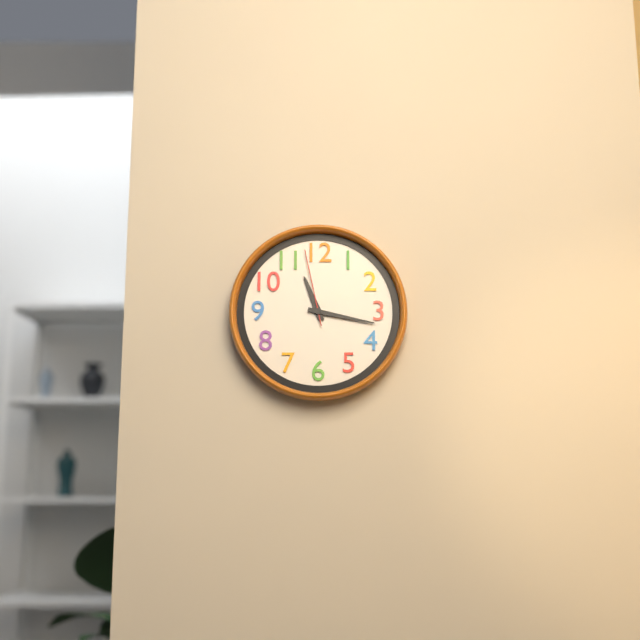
11:17:58
